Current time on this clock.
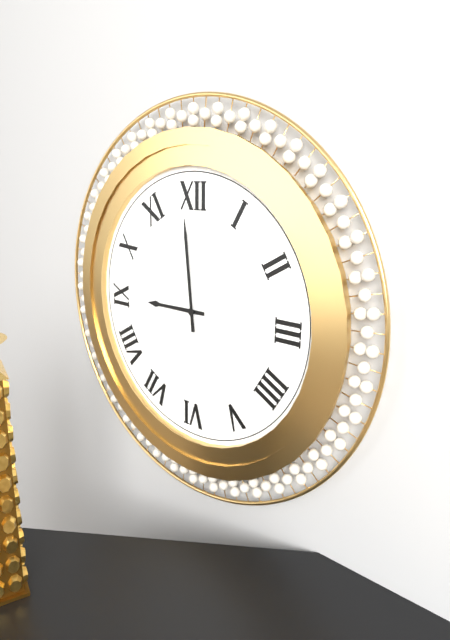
8:59
